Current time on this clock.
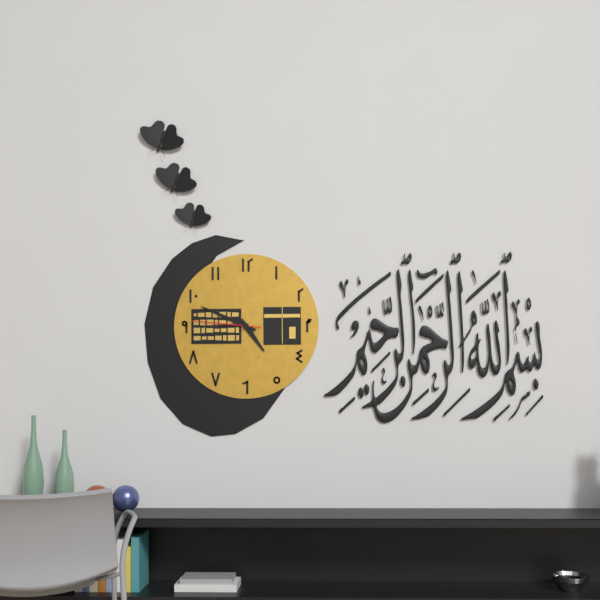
4:49:46
